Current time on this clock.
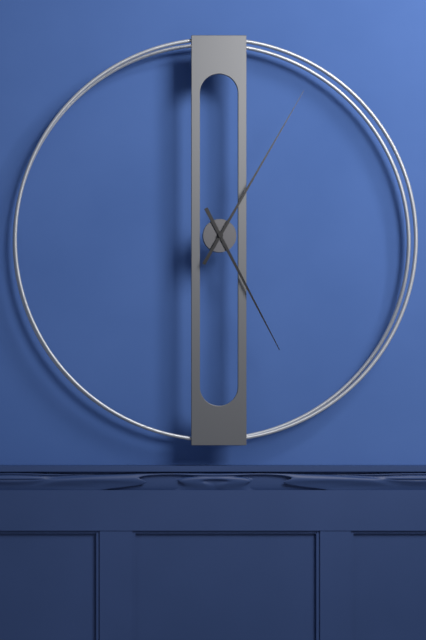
5:05
